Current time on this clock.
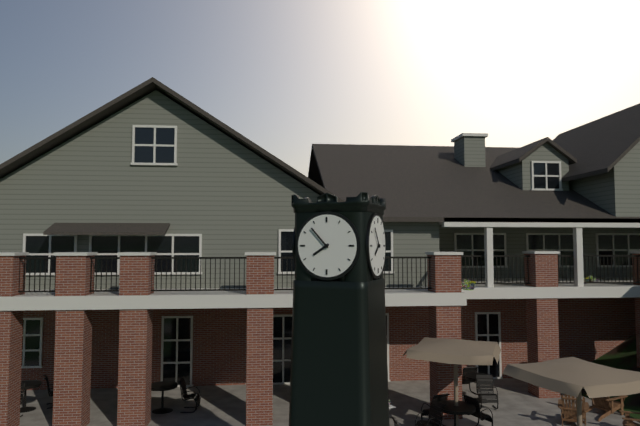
7:53
